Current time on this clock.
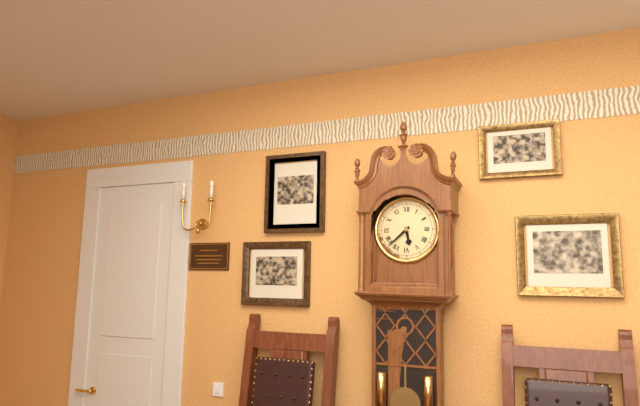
5:38
